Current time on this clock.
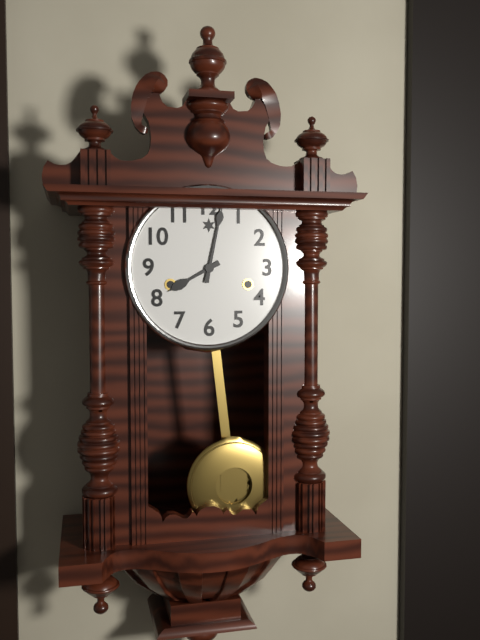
8:02
